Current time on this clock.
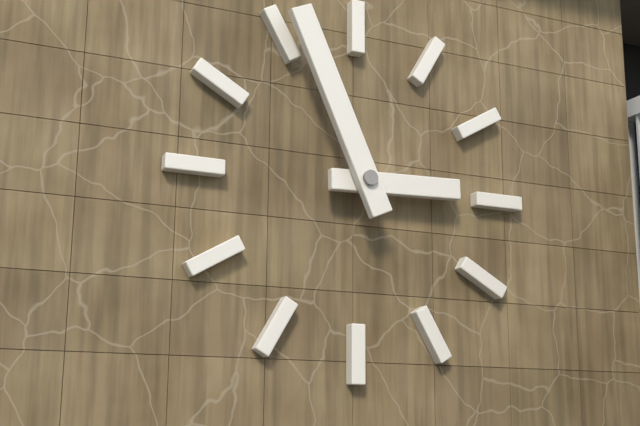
2:56
